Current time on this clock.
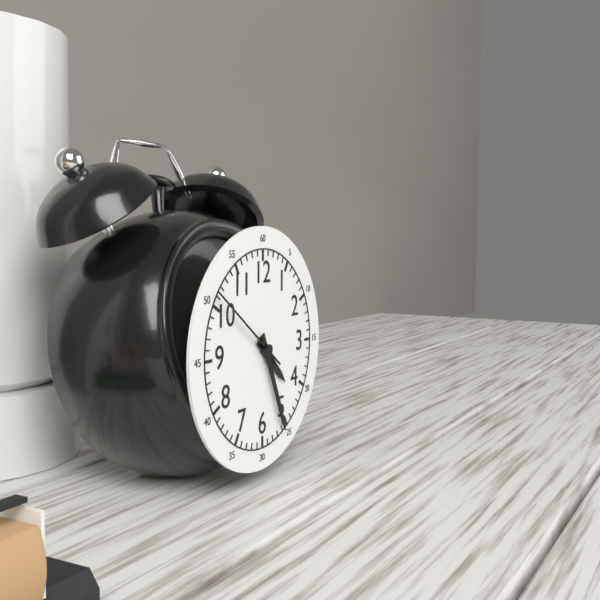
4:26:51
